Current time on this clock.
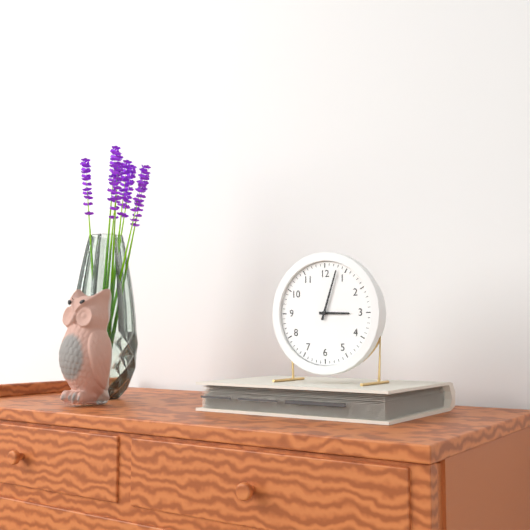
3:03
